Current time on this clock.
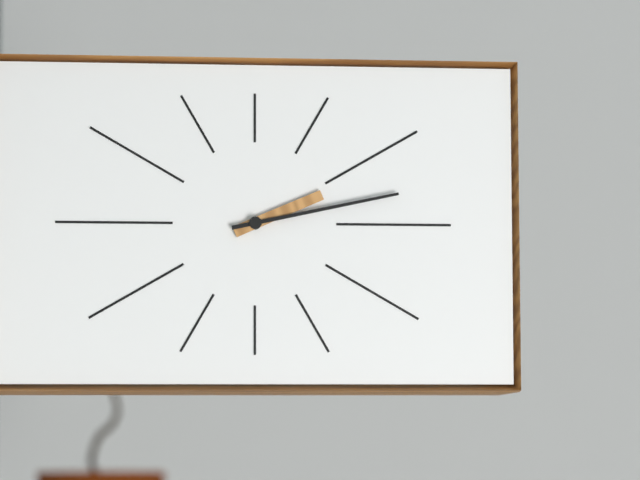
2:13
